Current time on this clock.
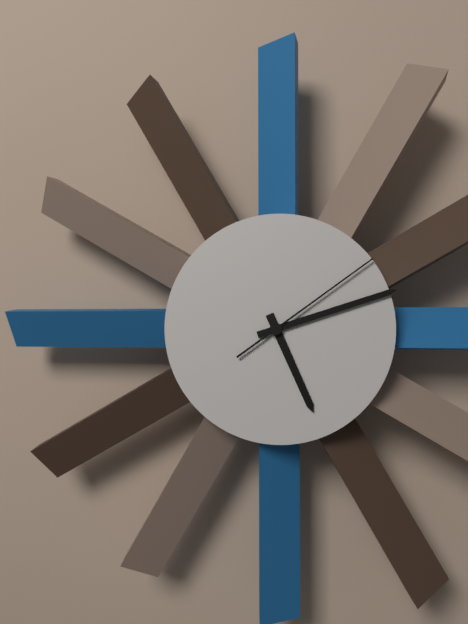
5:12:09
